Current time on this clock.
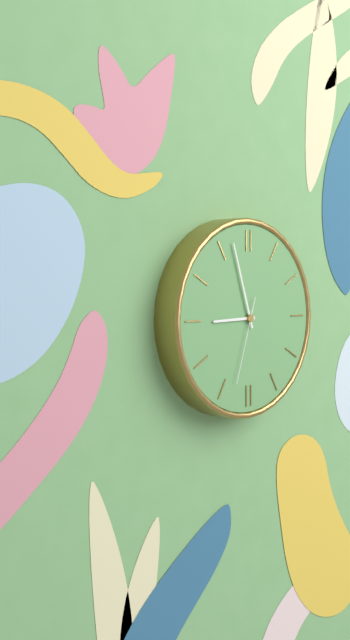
8:57:33
